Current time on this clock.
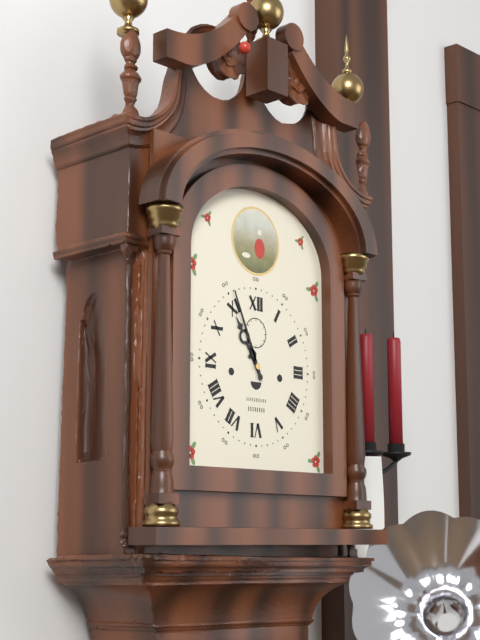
10:56
